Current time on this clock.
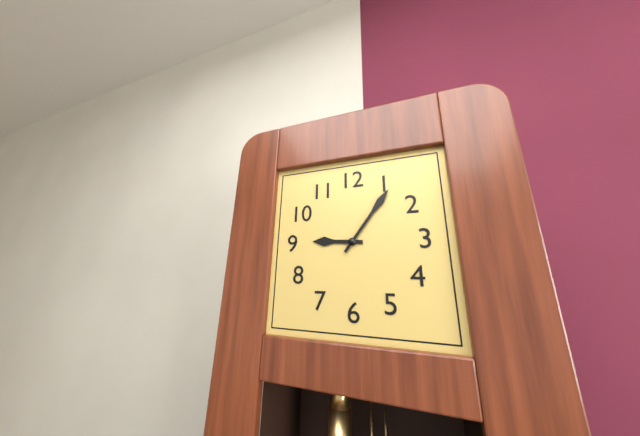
9:06
